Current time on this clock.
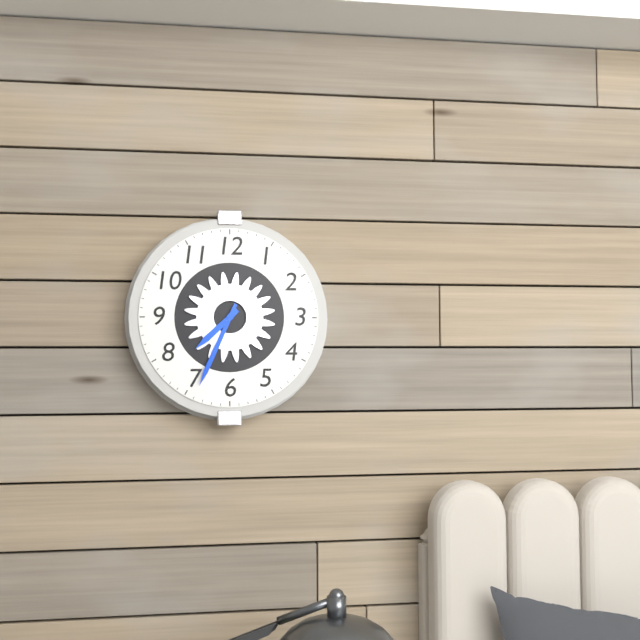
7:34
